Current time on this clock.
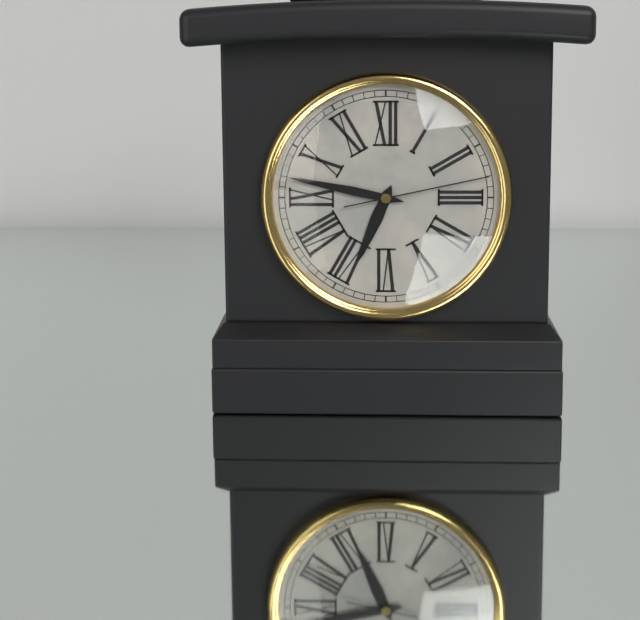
6:47:13
